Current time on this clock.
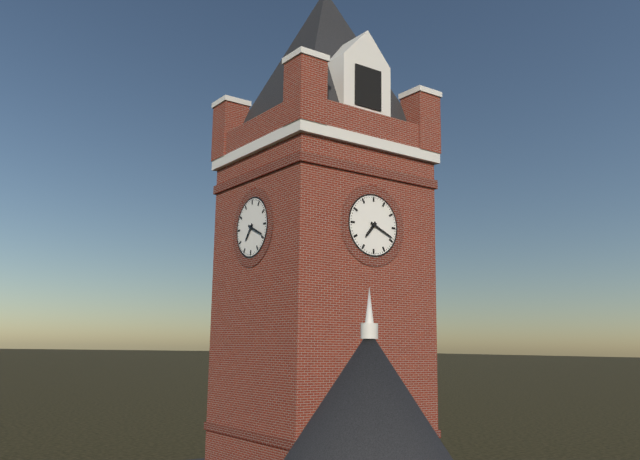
7:19
